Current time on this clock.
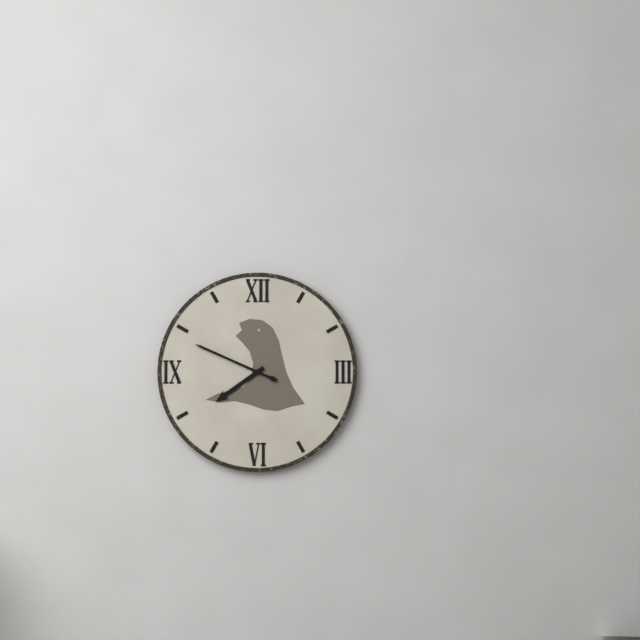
7:49
